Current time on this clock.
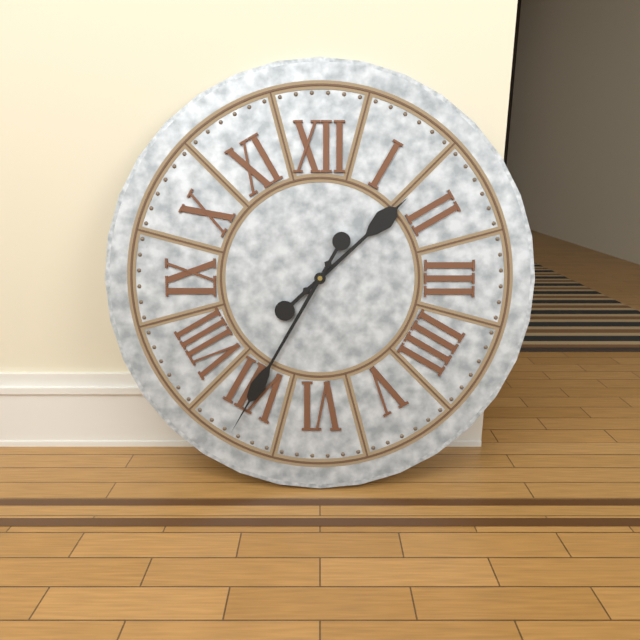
1:35
